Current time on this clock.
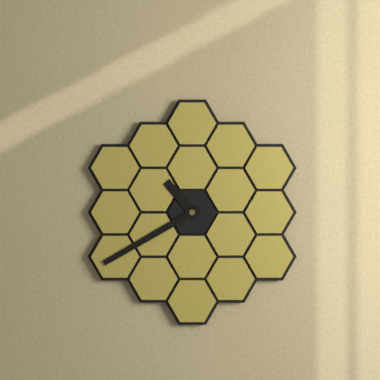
10:40
